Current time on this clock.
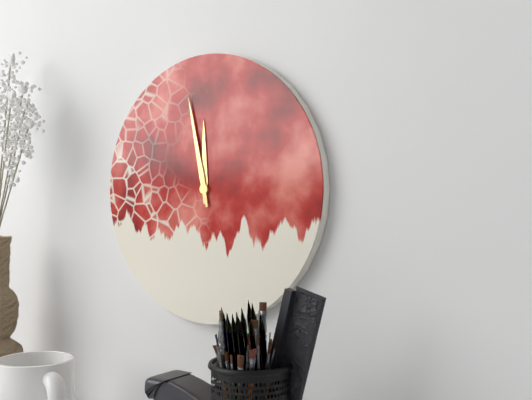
11:58
